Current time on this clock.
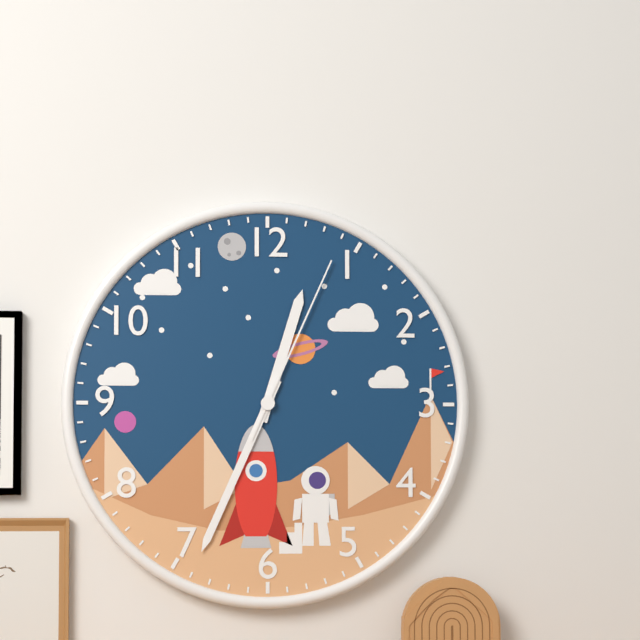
12:34:04
